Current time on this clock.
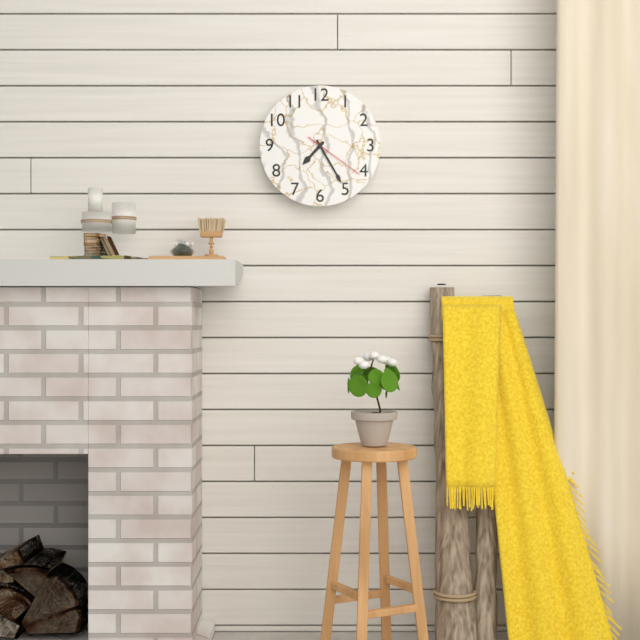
7:25:21
